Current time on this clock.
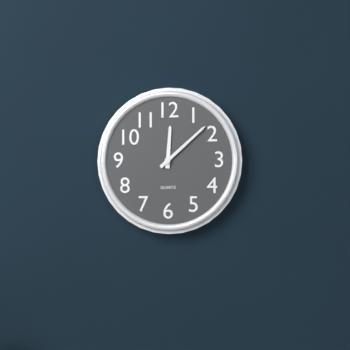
12:08
